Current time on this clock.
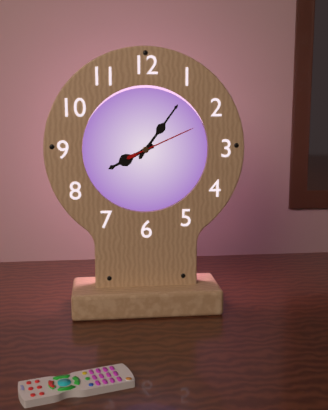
8:06:11
